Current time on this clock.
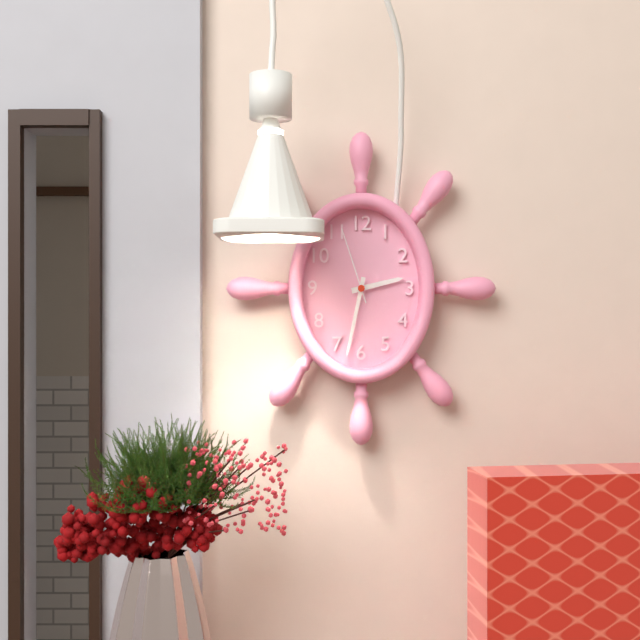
2:32:57
